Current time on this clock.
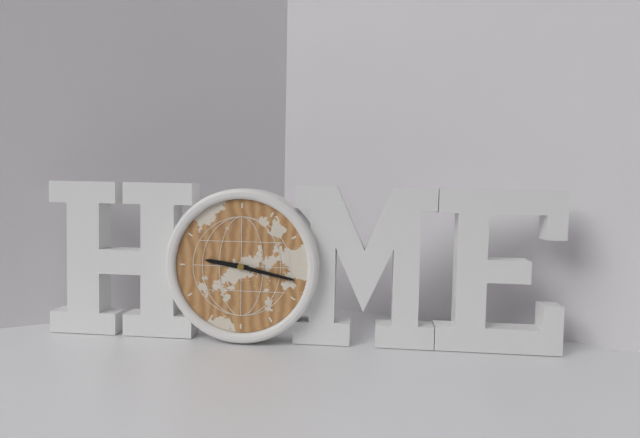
9:17
